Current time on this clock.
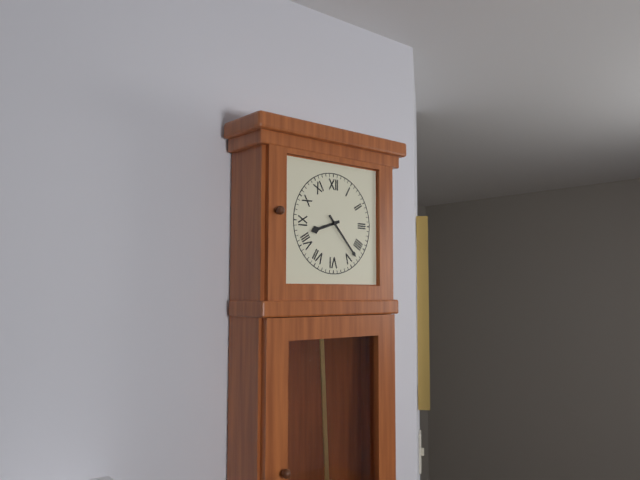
8:23
